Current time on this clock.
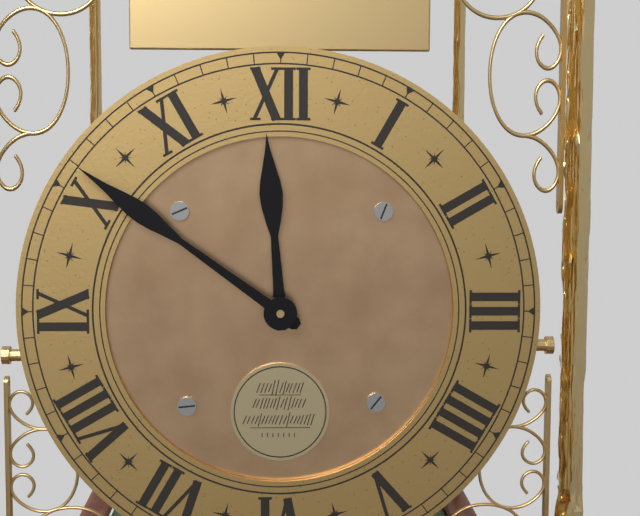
11:51
